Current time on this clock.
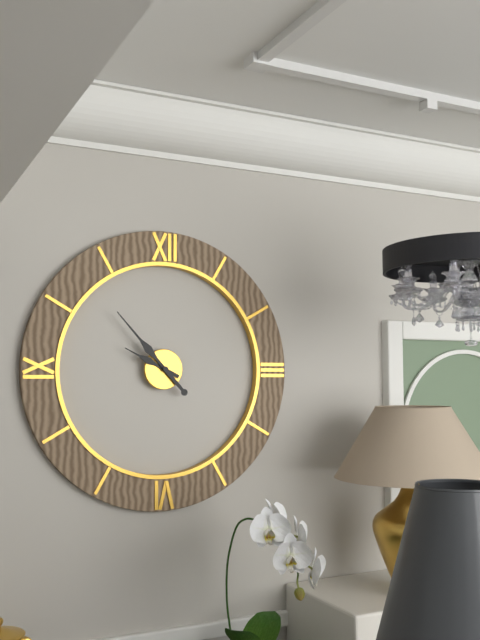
9:53
